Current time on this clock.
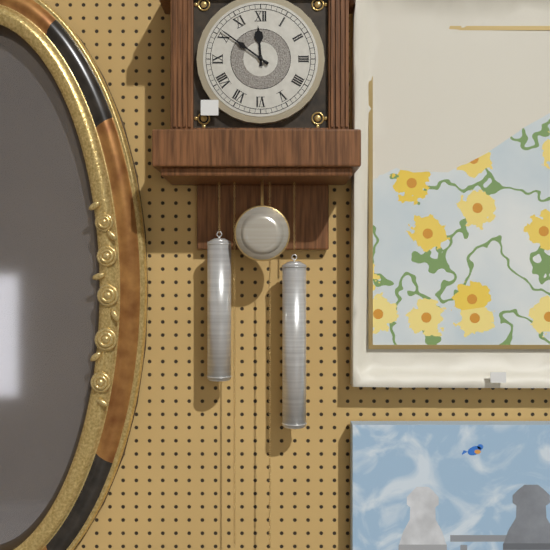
11:51
